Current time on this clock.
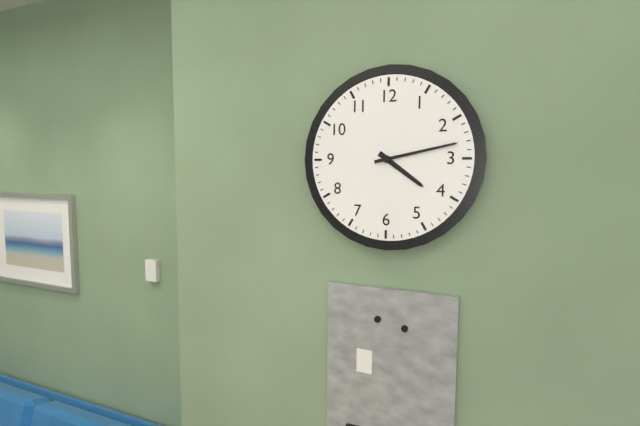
4:13
